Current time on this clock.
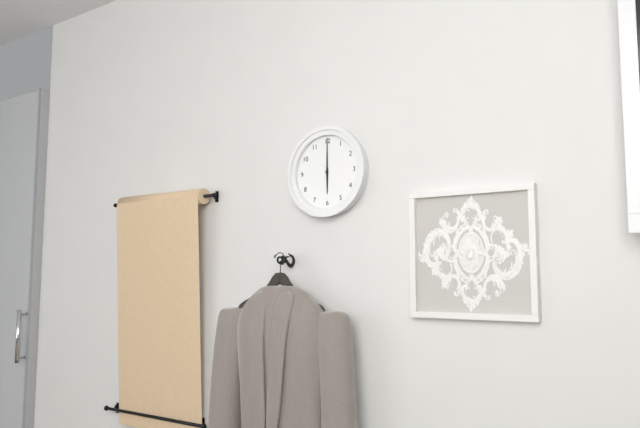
6:00
